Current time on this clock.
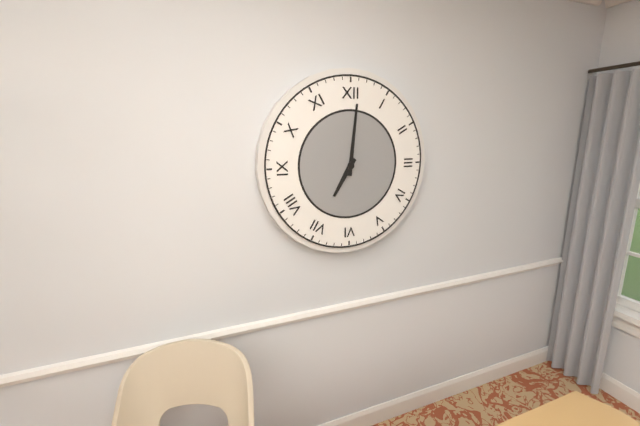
7:01
